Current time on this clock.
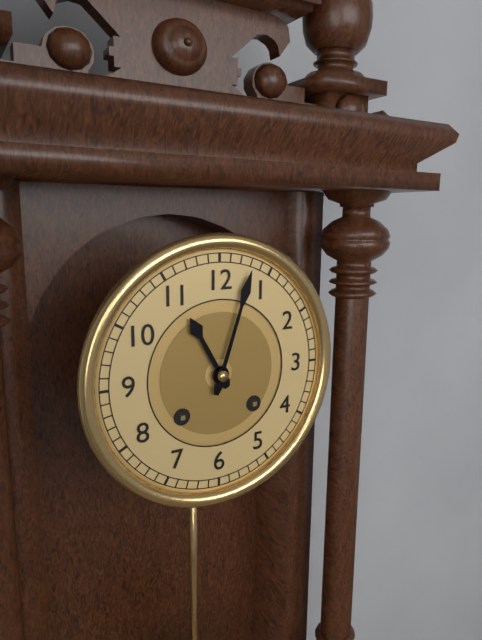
11:03
